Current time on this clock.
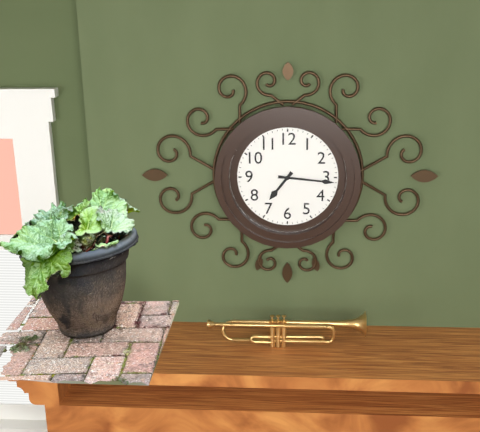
7:16
